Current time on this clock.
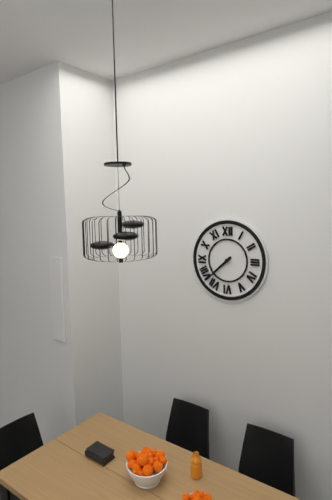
7:38
